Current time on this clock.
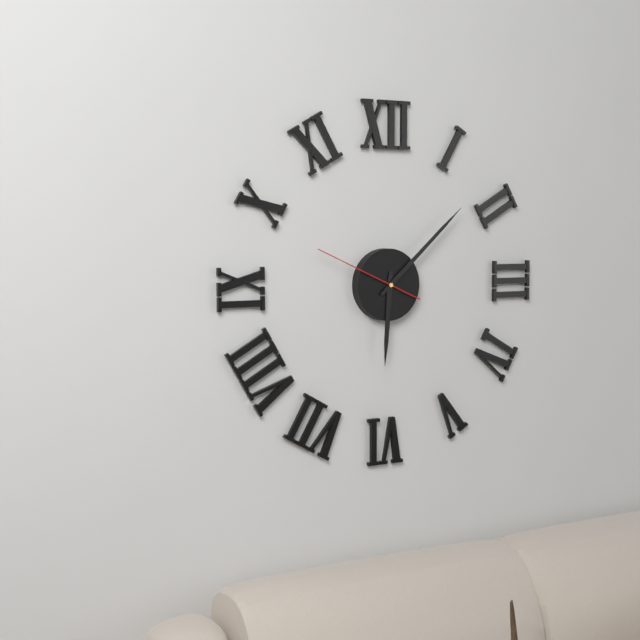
6:08:49
